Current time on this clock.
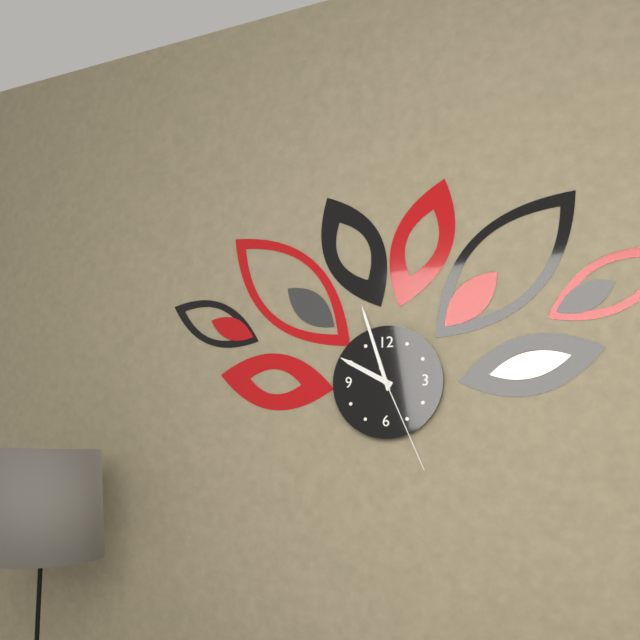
9:57:26
